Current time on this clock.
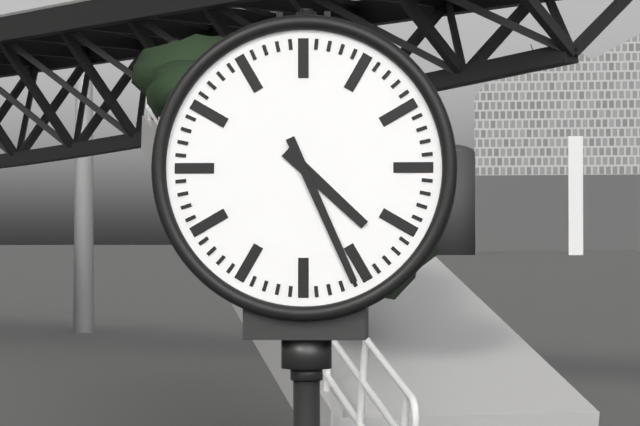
4:26
